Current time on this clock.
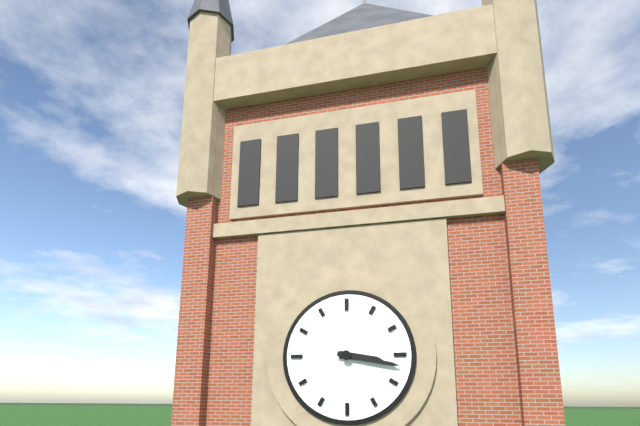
3:17
